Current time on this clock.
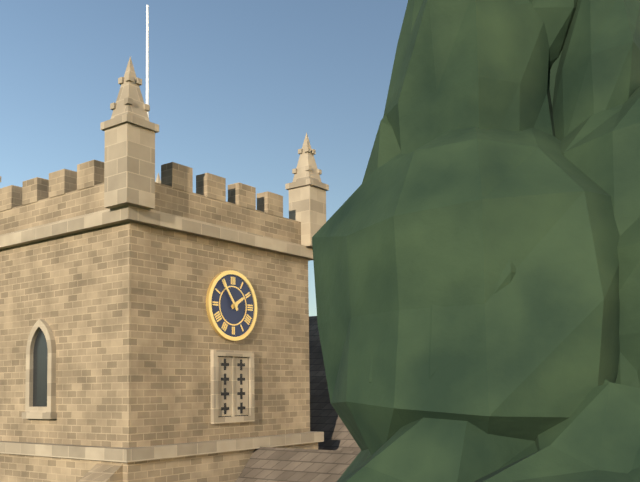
1:54
